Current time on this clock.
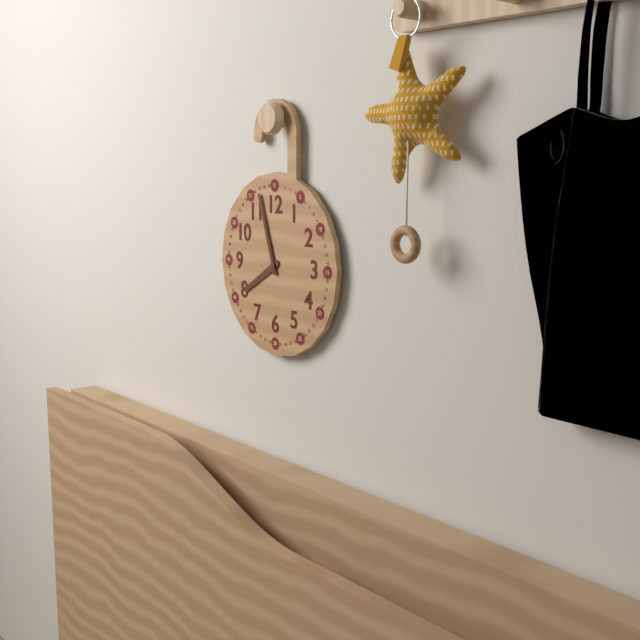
7:57
